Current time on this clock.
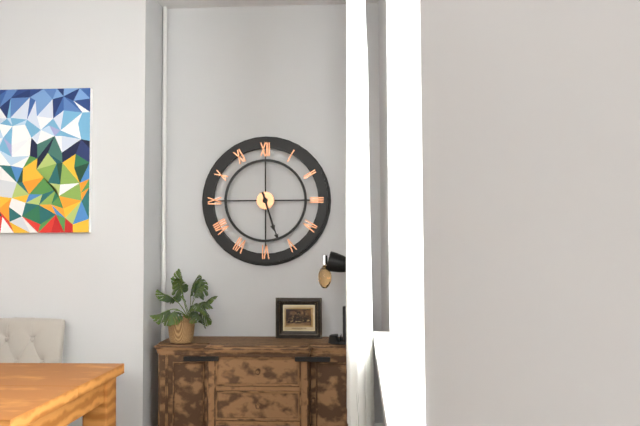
5:27
